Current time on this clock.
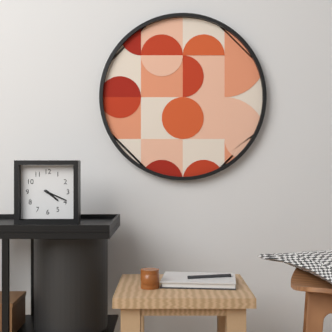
4:19
